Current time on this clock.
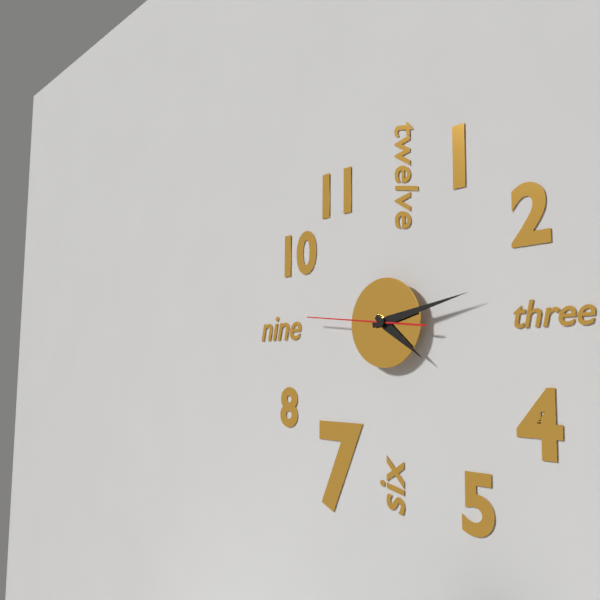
4:13:46
